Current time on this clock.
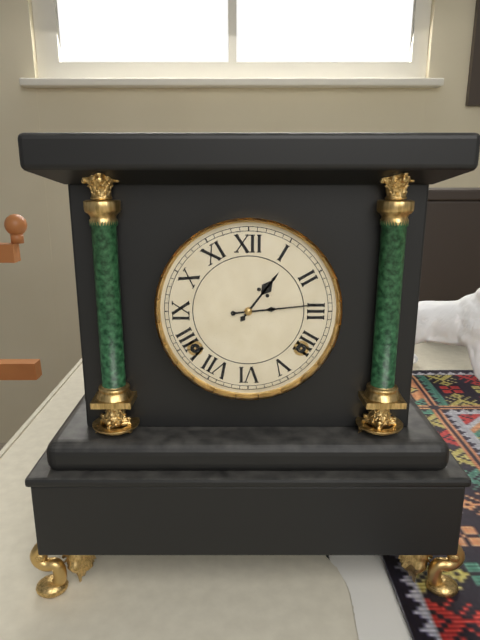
1:14
